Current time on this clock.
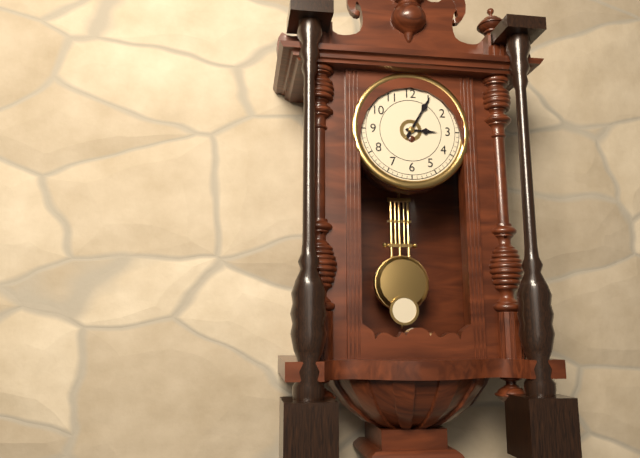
3:05
